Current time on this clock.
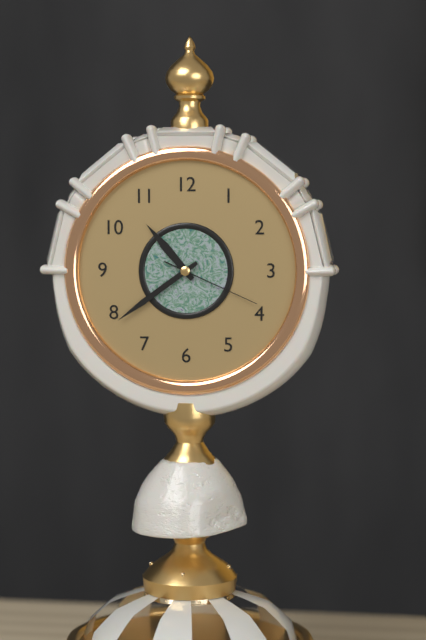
10:39:19
